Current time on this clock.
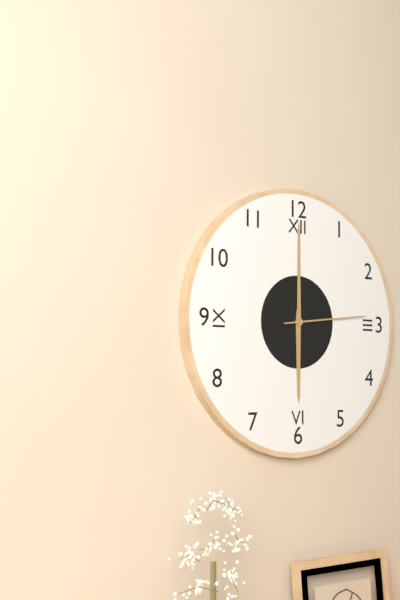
6:00:14
